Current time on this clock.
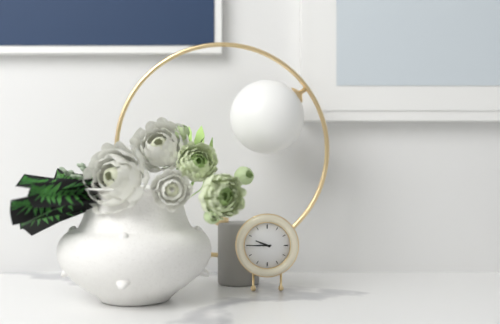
9:45
